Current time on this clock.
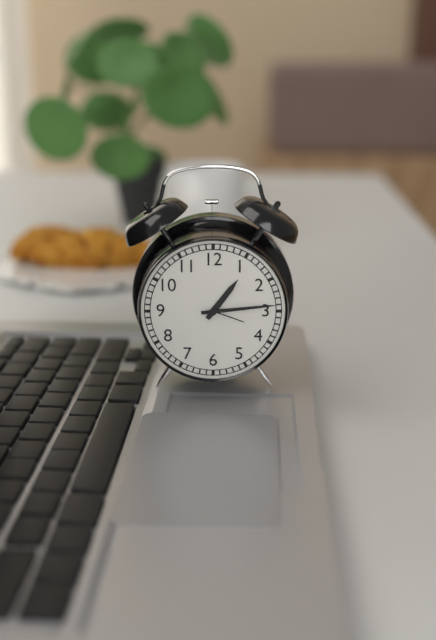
1:14
